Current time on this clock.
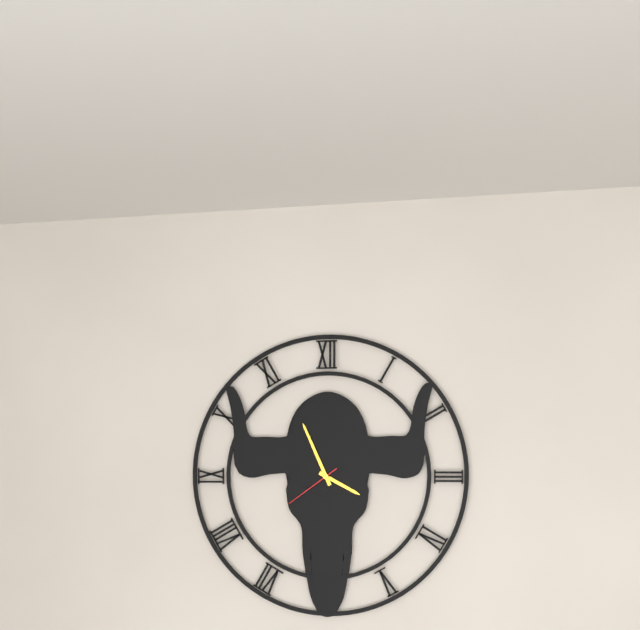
3:56:39
